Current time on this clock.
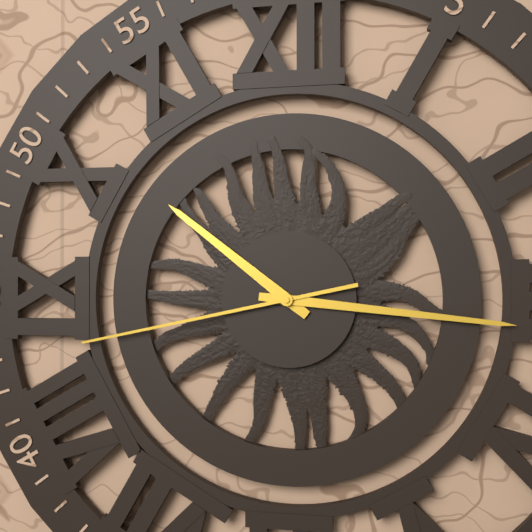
10:16:43
